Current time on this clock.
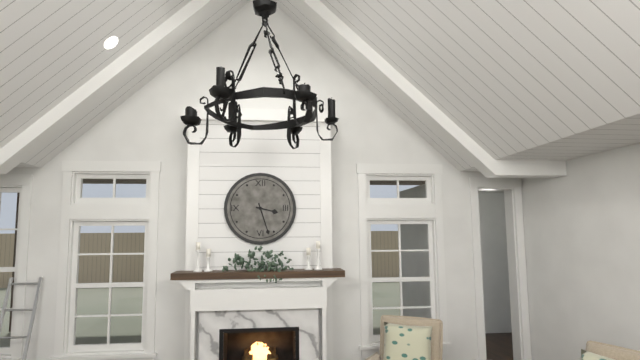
3:27
